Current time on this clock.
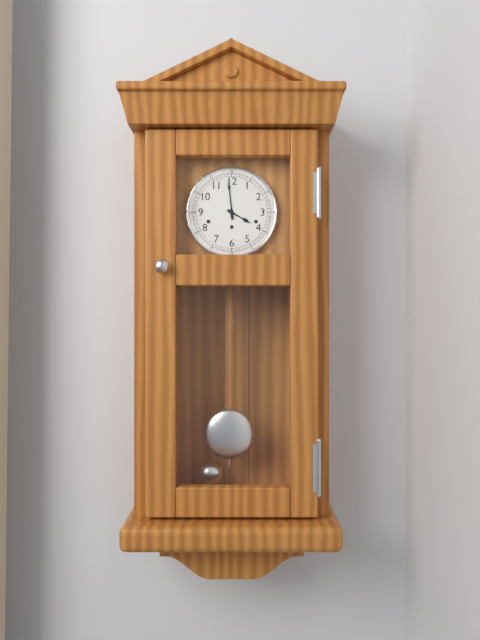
3:59
